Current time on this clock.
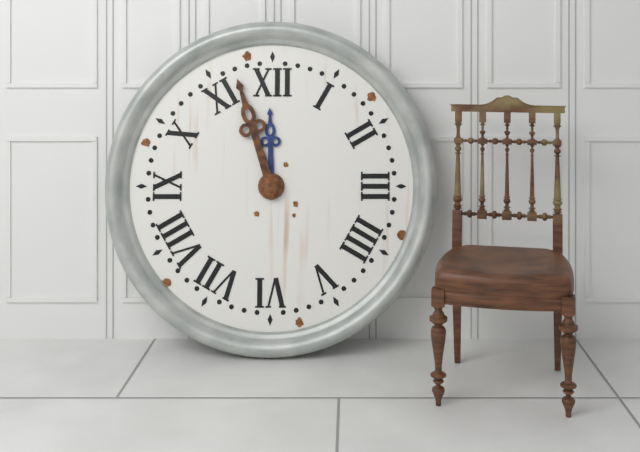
11:57
